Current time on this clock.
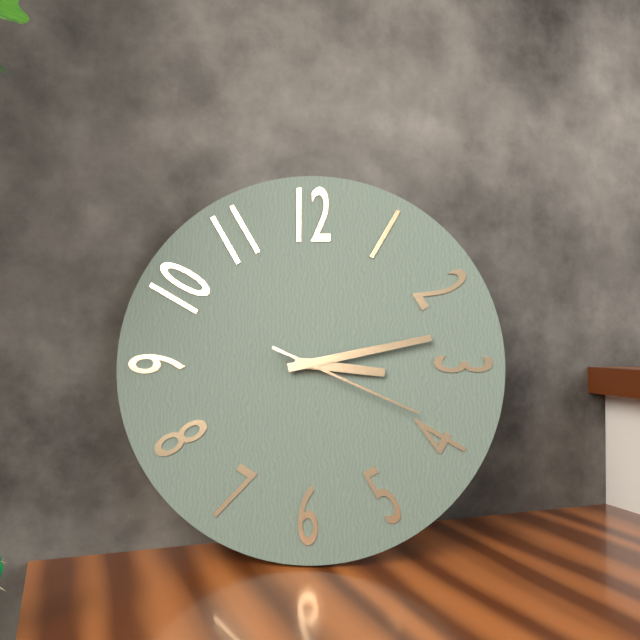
3:13:19
